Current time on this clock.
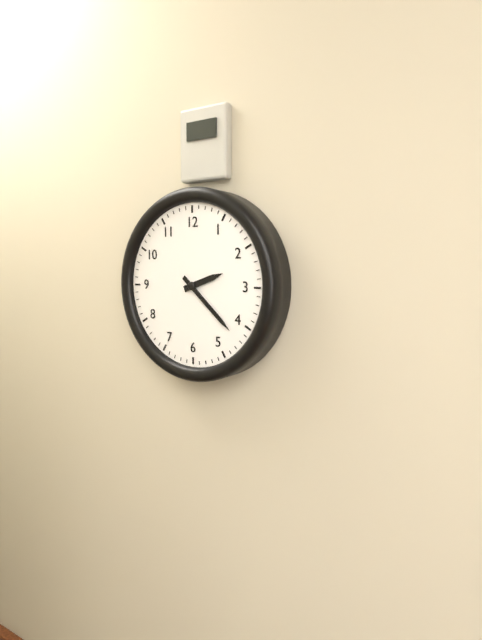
2:22
